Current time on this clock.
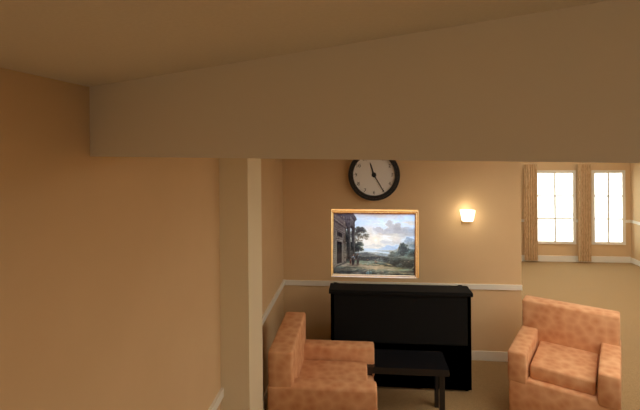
11:25
